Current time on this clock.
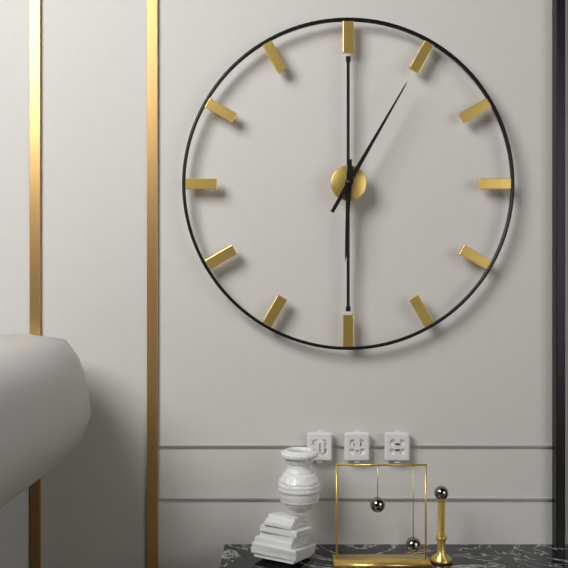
6:05
